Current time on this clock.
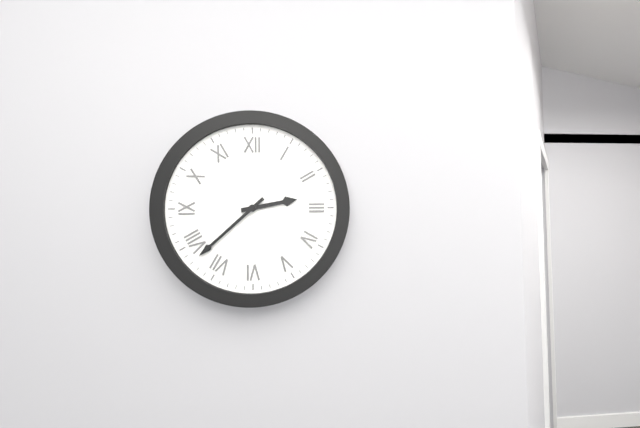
2:38
